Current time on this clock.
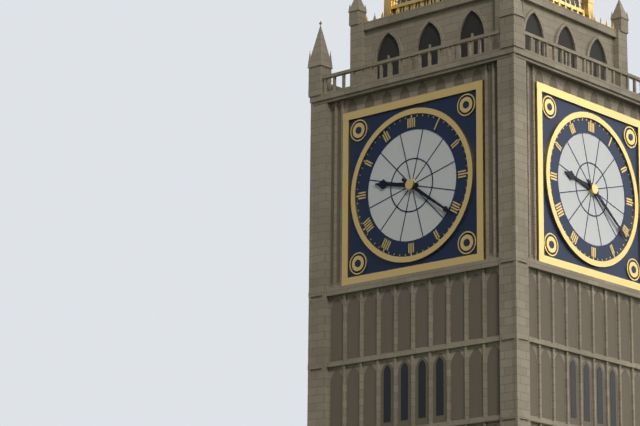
9:21
